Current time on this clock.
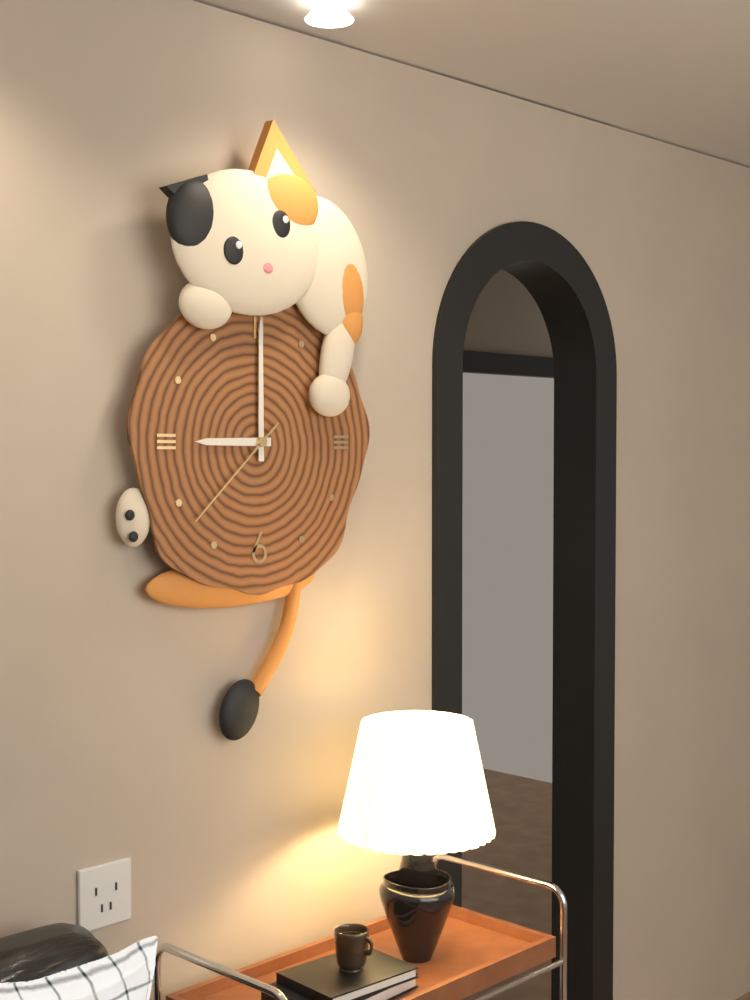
9:00:38
